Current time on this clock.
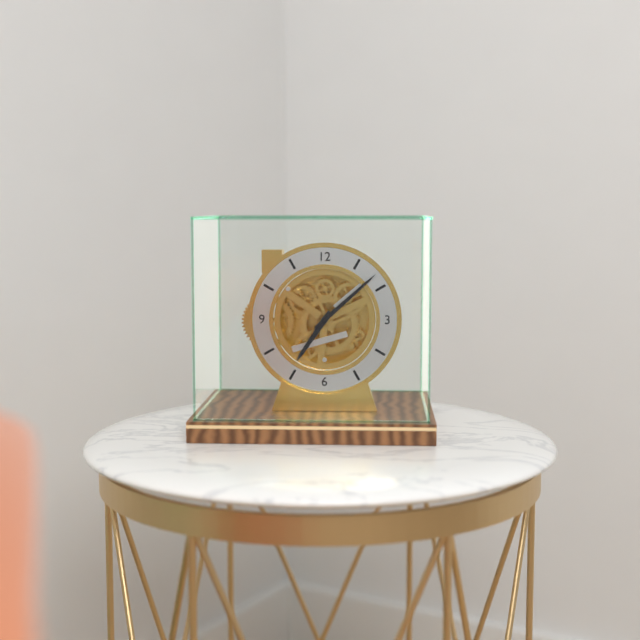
7:08
